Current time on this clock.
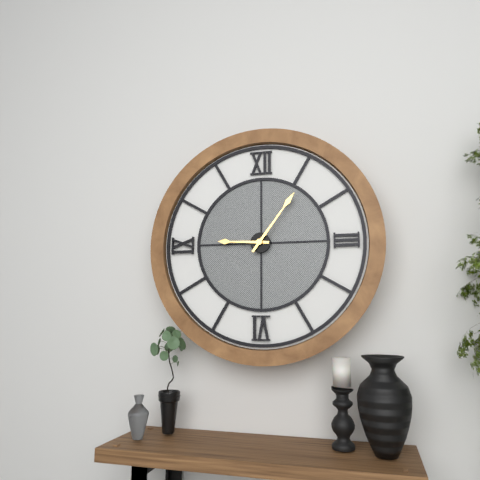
9:06
